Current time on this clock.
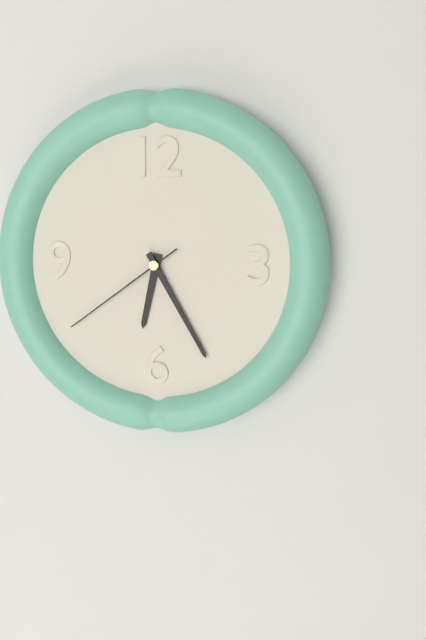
6:25:39
